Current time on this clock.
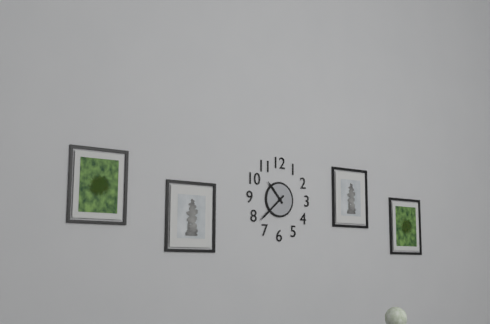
10:38
